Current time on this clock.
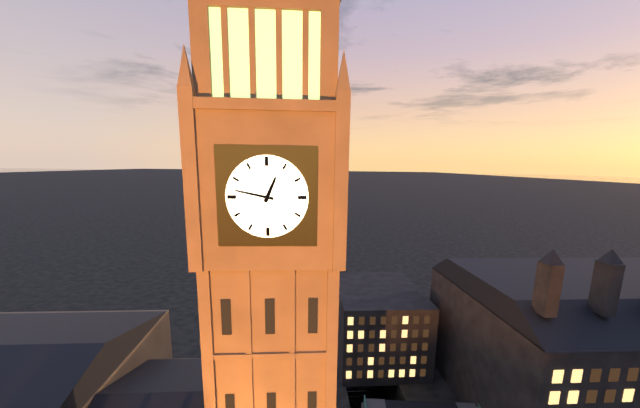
12:47
